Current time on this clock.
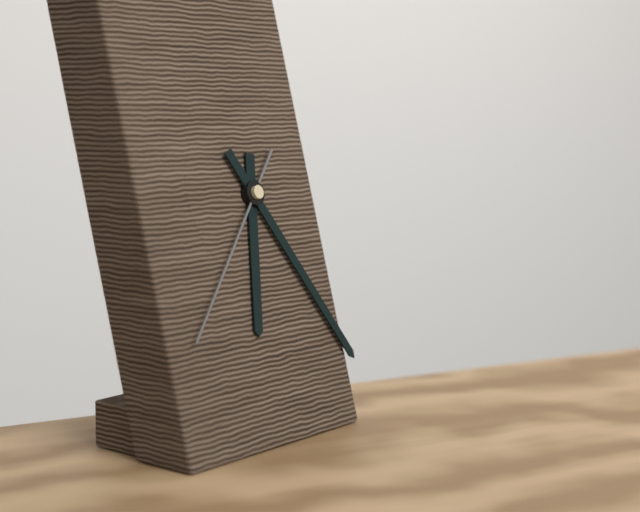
6:25:37
